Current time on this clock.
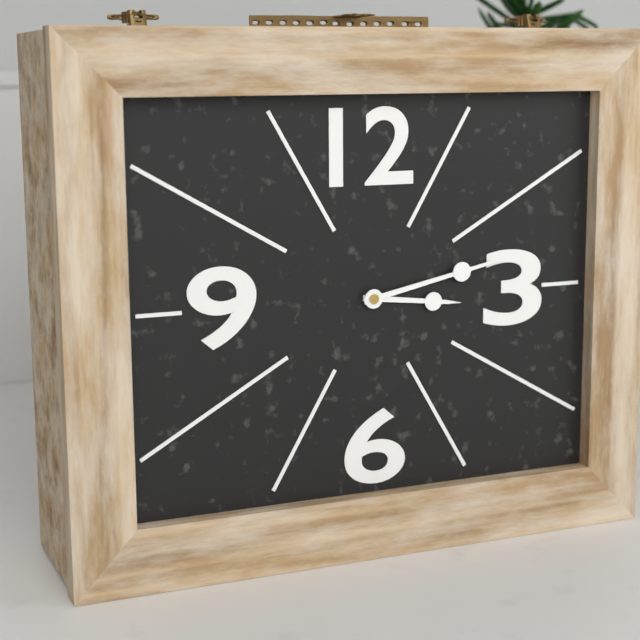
3:13
